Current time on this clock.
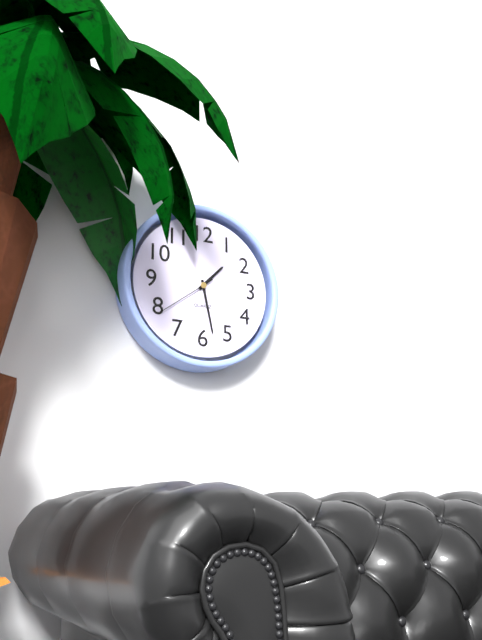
1:28:39
